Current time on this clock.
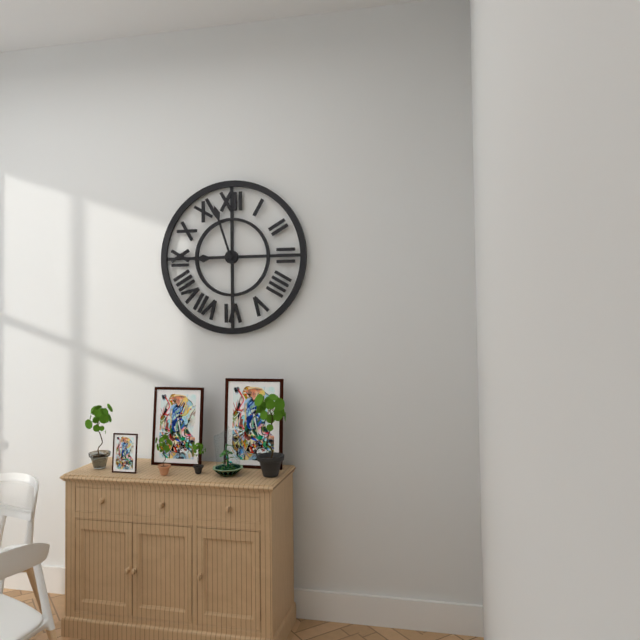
8:57
